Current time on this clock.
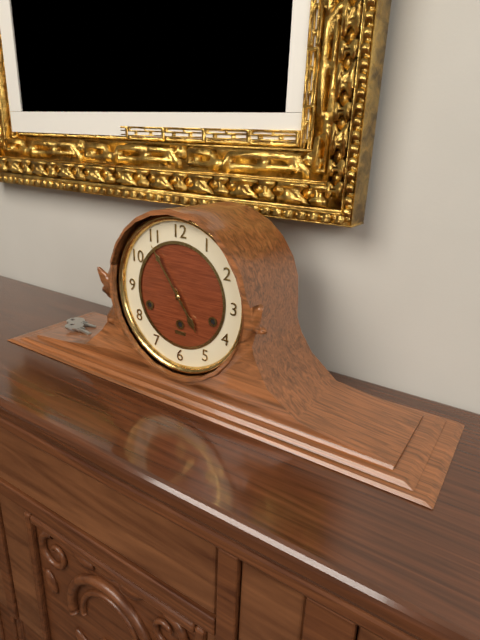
4:54
